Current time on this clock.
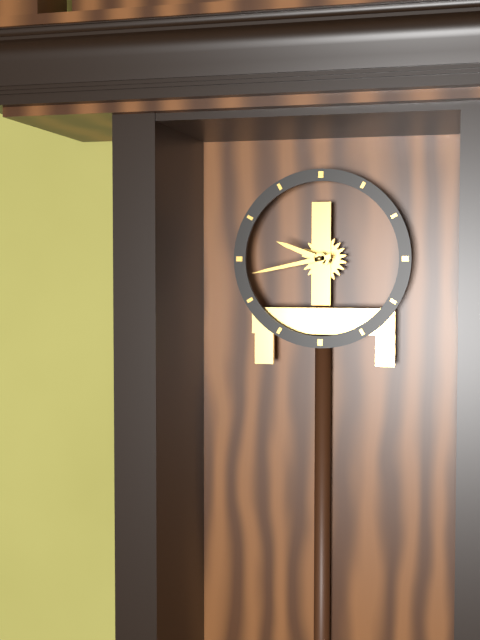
9:43
